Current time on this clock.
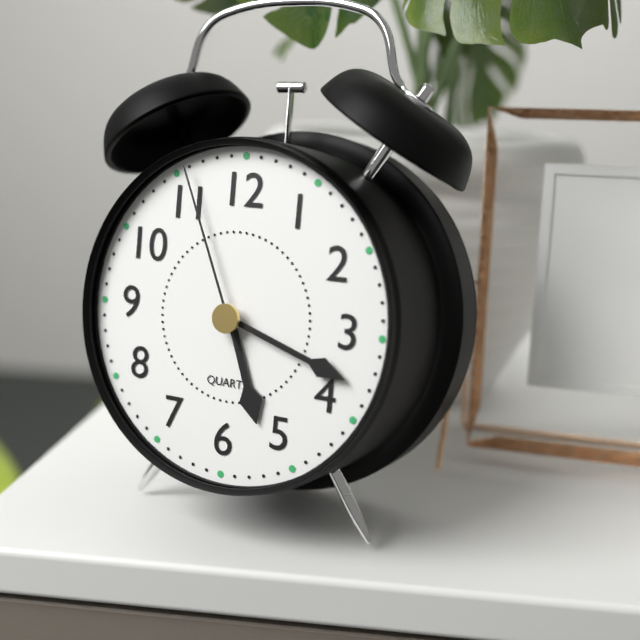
5:18:56
